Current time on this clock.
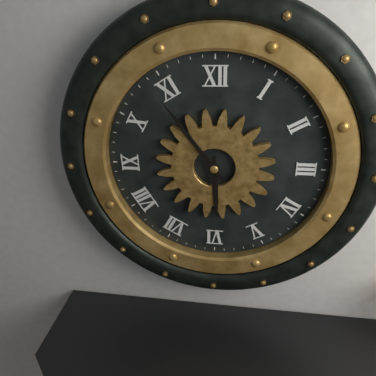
5:54
